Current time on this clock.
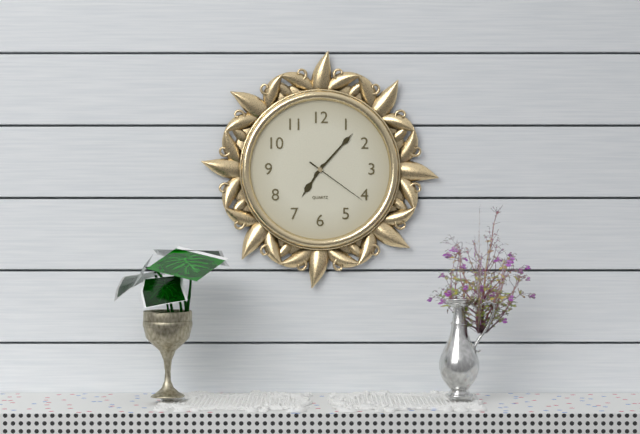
7:07:21
